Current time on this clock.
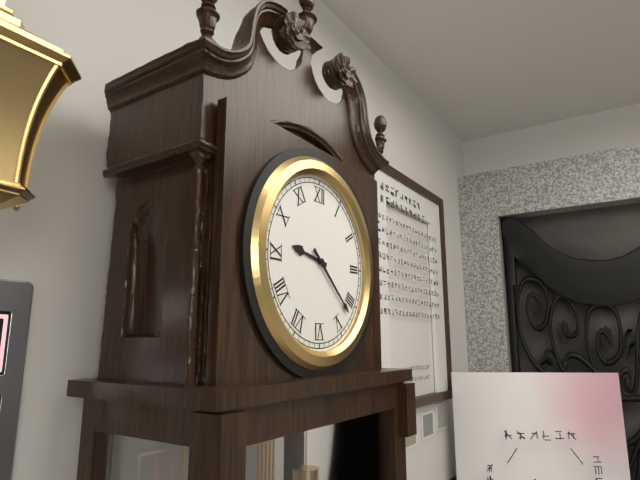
9:22
